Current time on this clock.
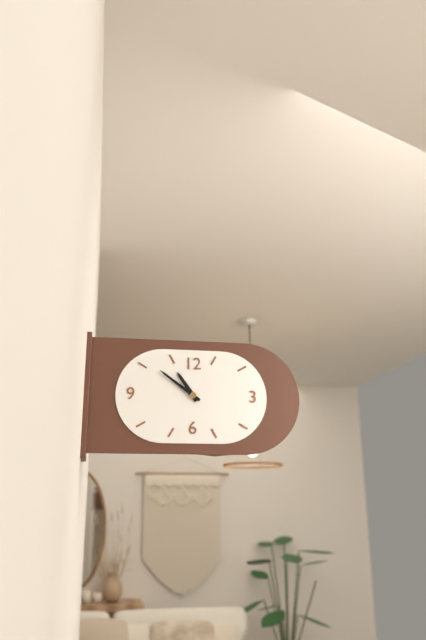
10:51
